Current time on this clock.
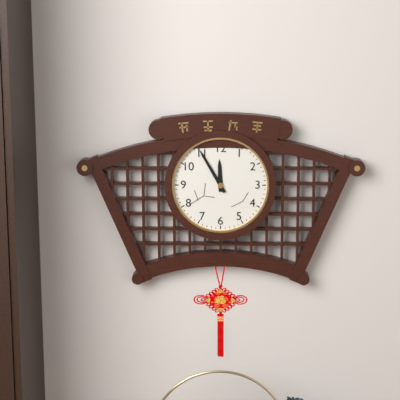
11:55
